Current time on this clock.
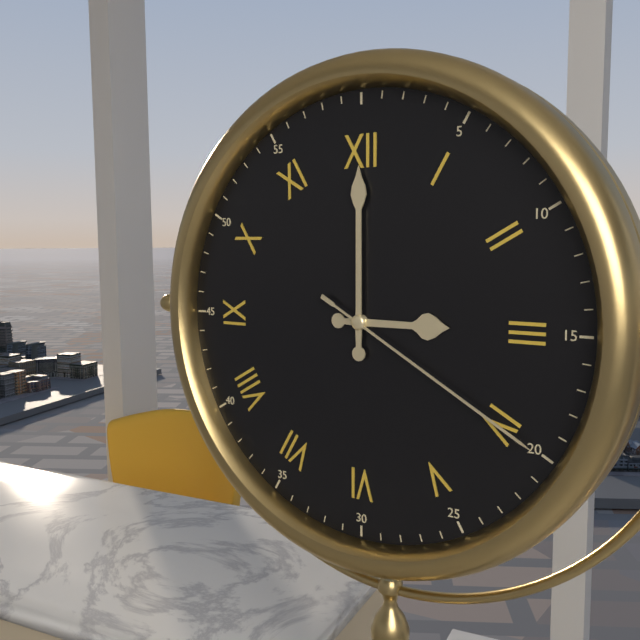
3:00:20
